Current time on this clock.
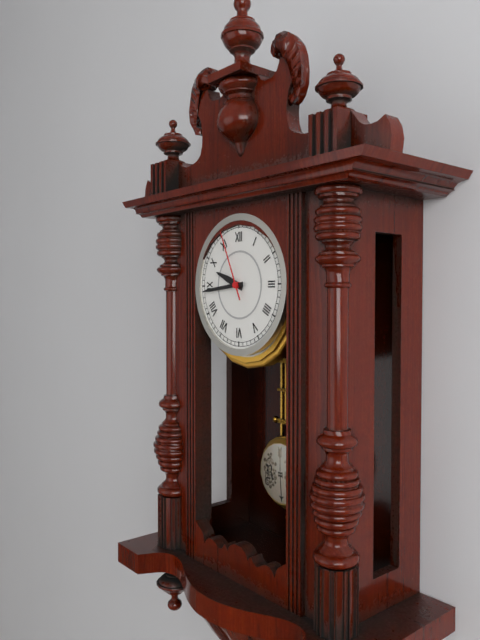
9:44:56
